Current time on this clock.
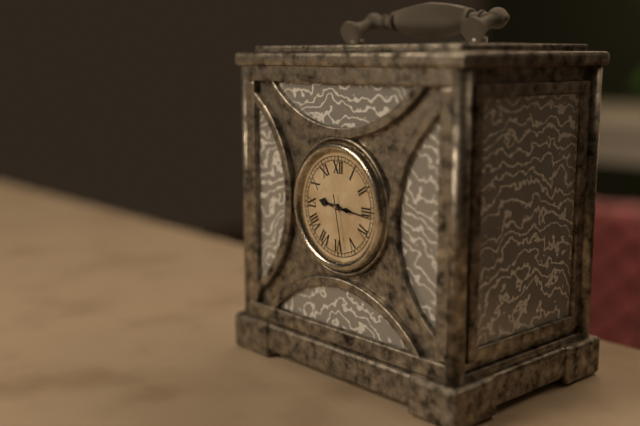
9:16:28
